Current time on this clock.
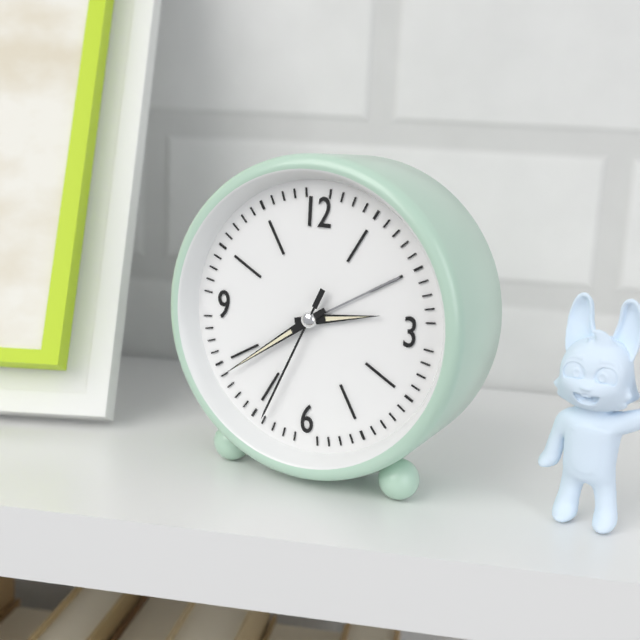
2:39:34
